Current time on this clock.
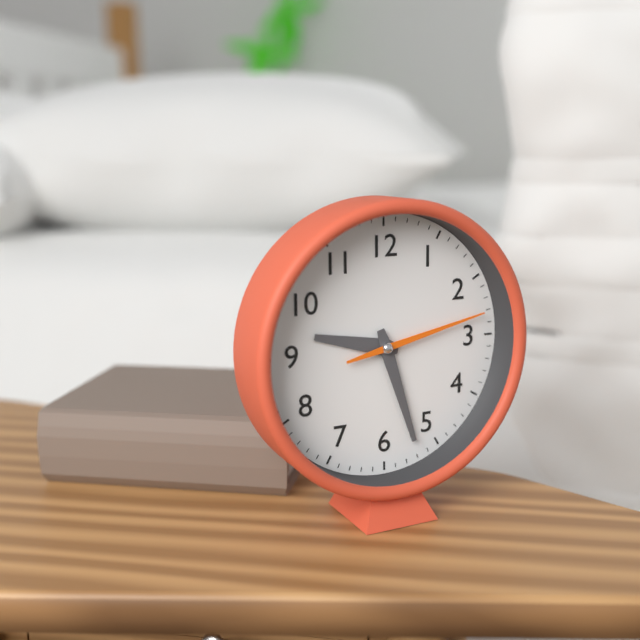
9:27:13
